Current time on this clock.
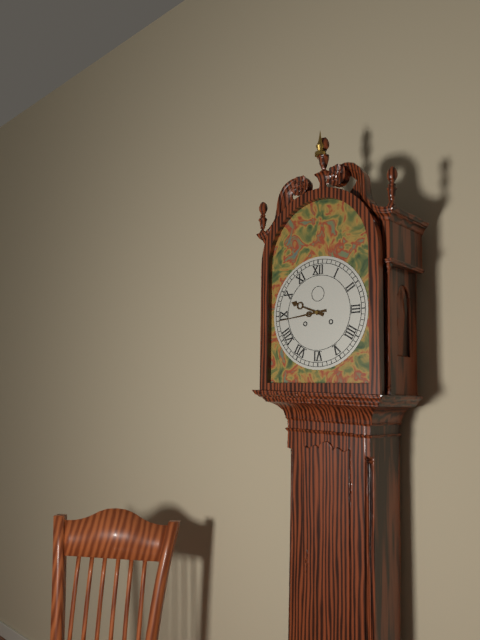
9:44
